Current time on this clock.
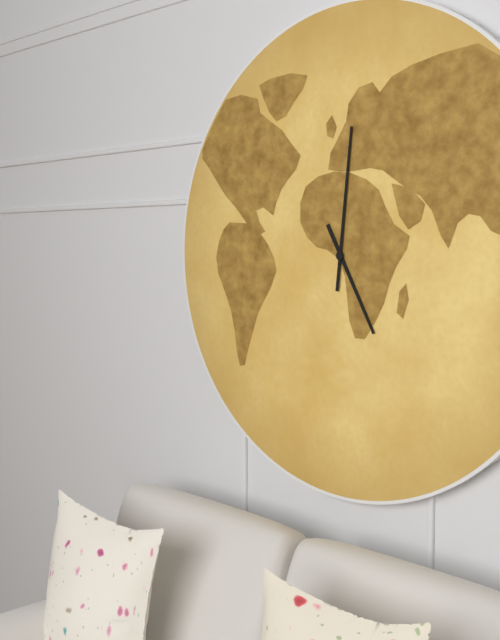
5:01
